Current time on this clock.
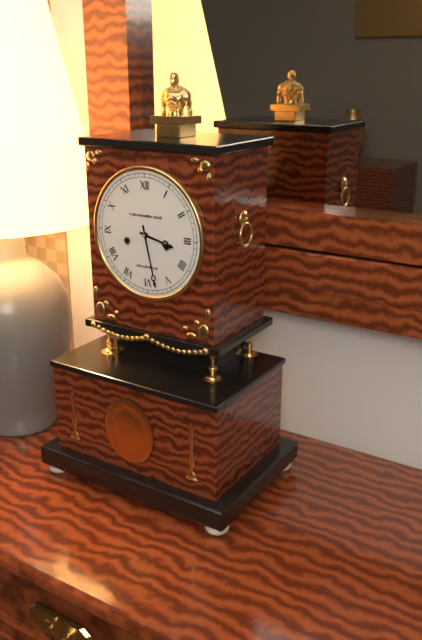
3:28
